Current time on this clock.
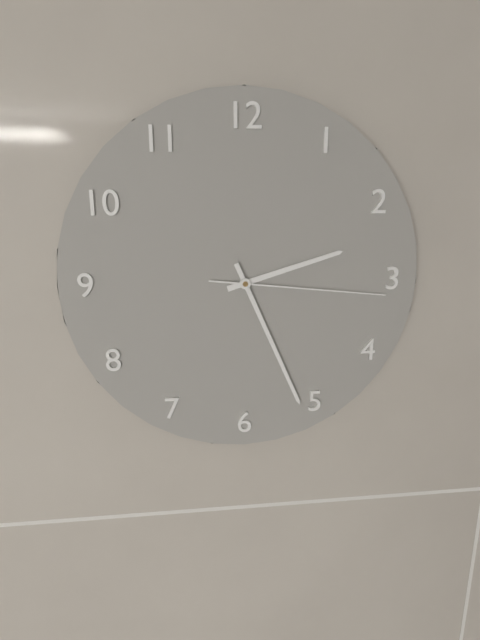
2:26:16
